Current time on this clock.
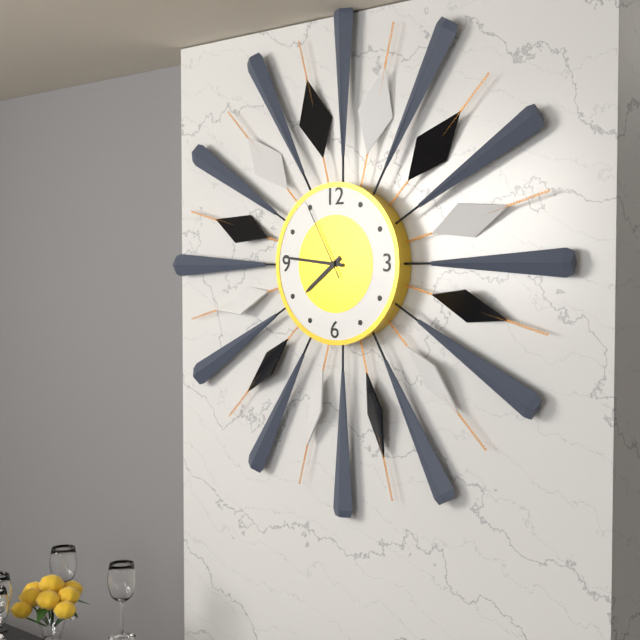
7:46:55
